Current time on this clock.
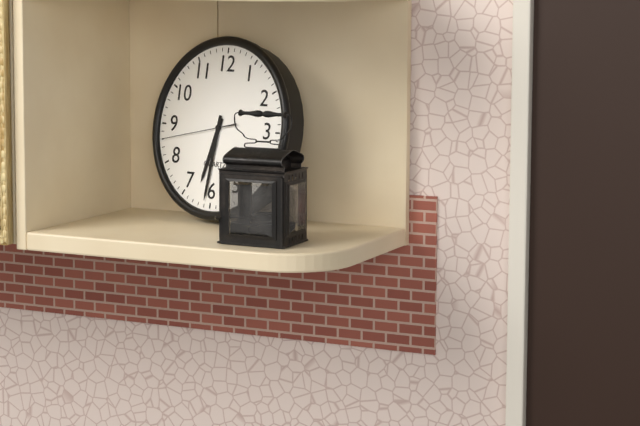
6:31:43
